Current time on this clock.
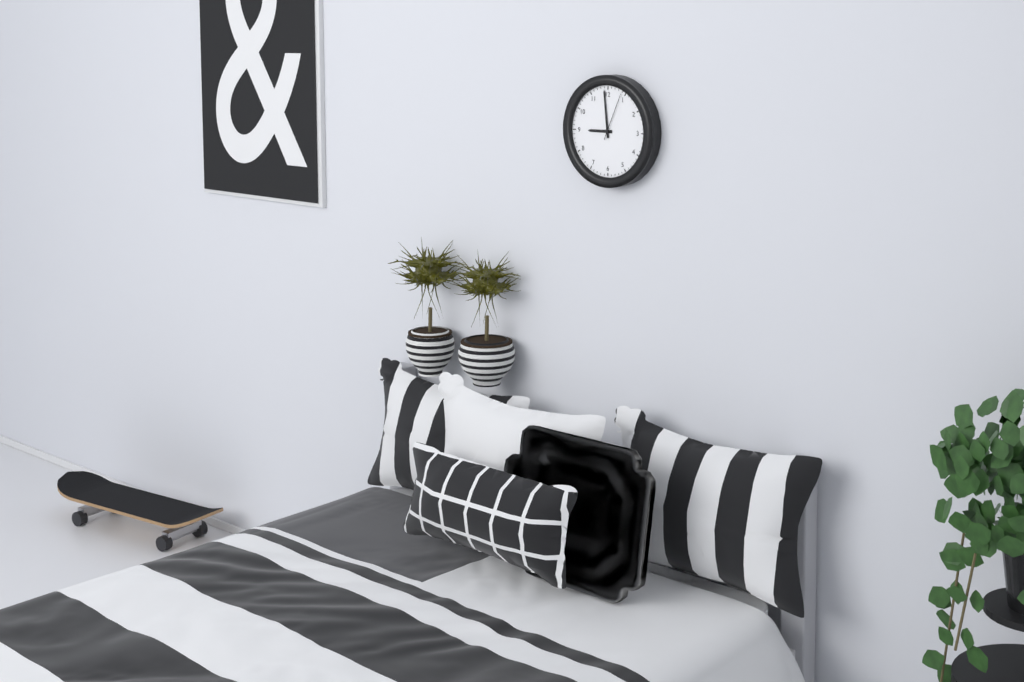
8:59:04
